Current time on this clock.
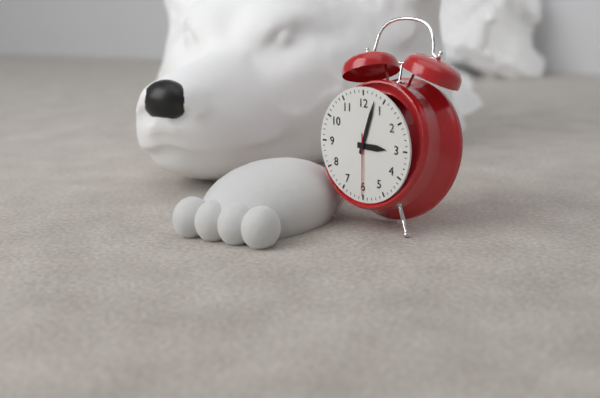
3:03:30
